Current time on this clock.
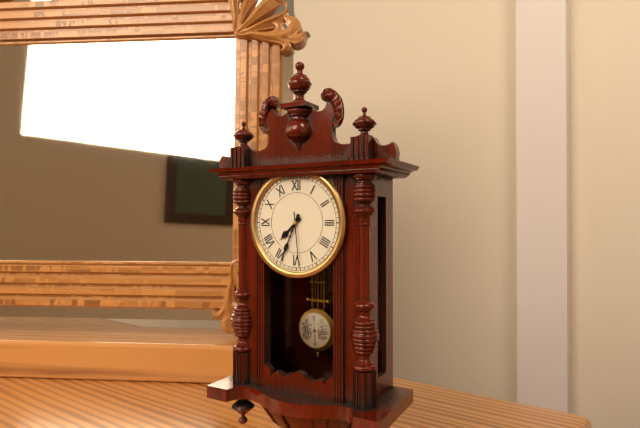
7:34:29
